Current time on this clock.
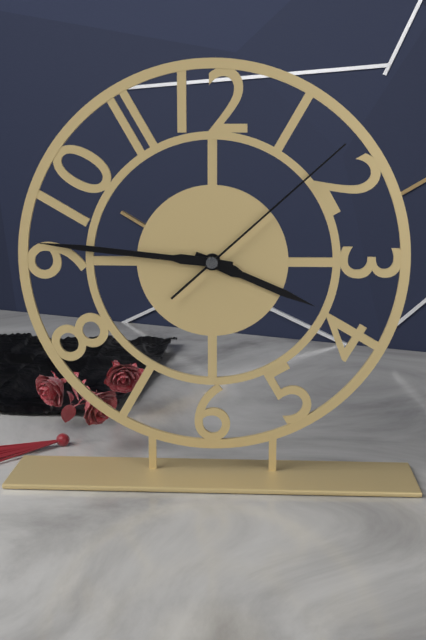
3:46:08
